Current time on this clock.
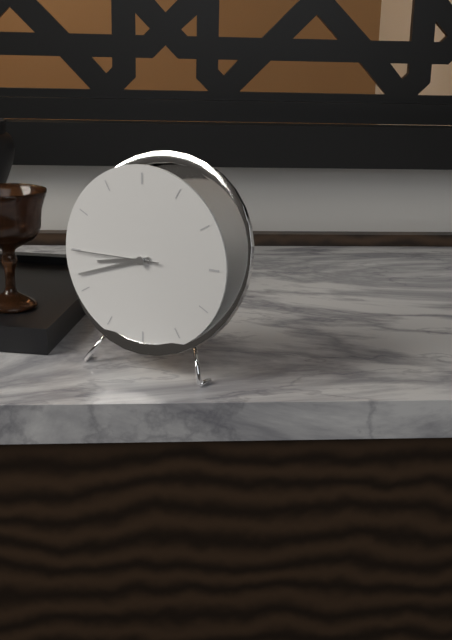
8:42:45
